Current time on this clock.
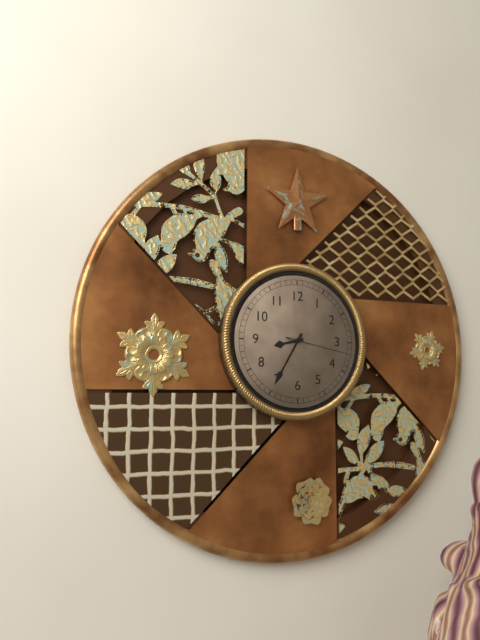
8:35:17
